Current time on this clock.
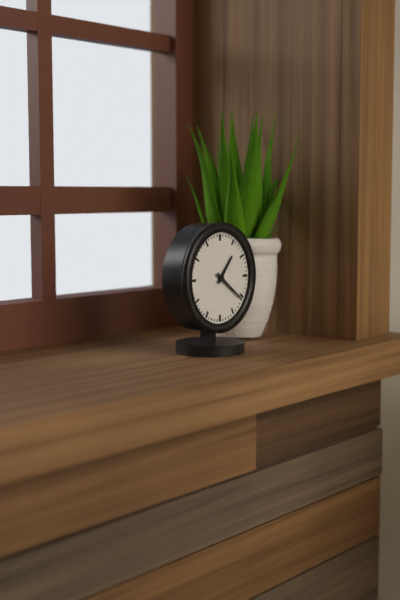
1:21
